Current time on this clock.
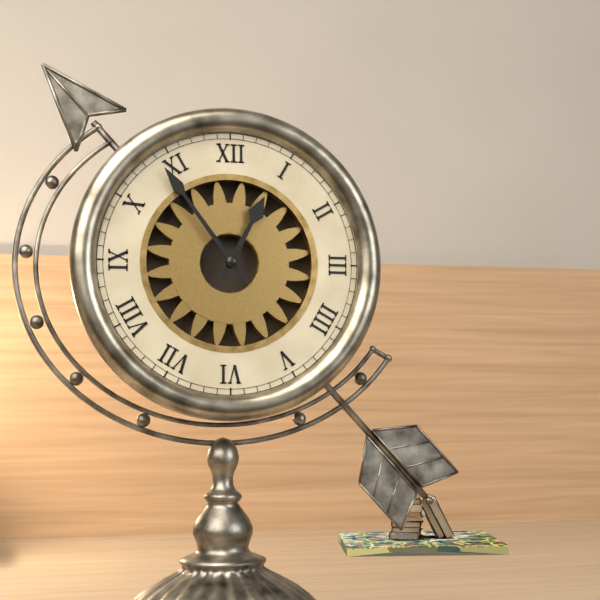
12:54
